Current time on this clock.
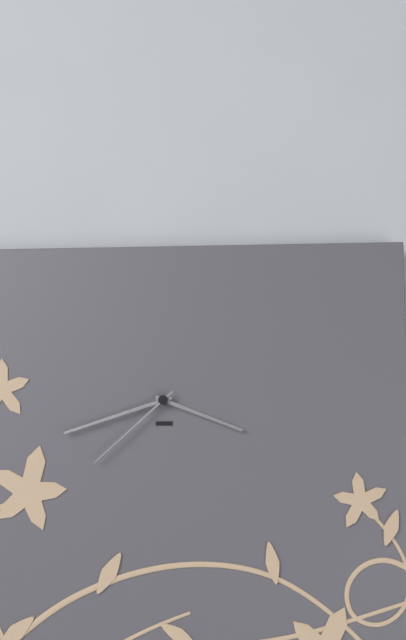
3:42:38
